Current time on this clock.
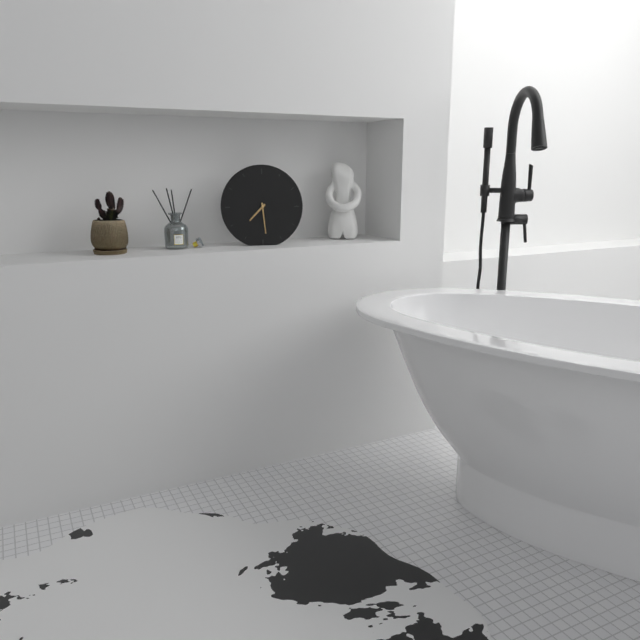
7:29
